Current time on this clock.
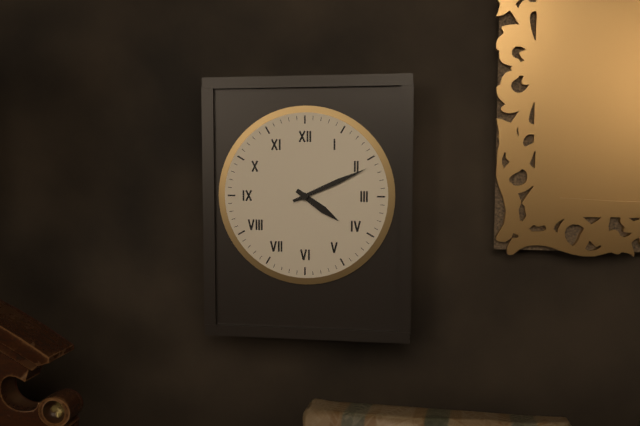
4:11
